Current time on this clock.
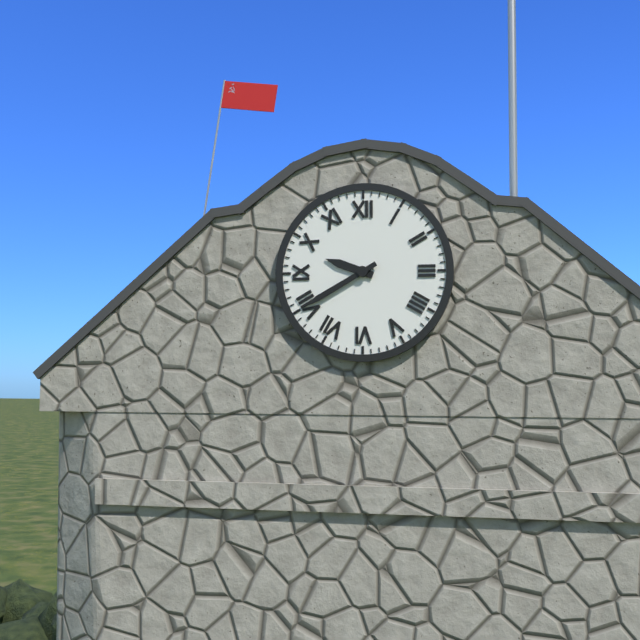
9:40
